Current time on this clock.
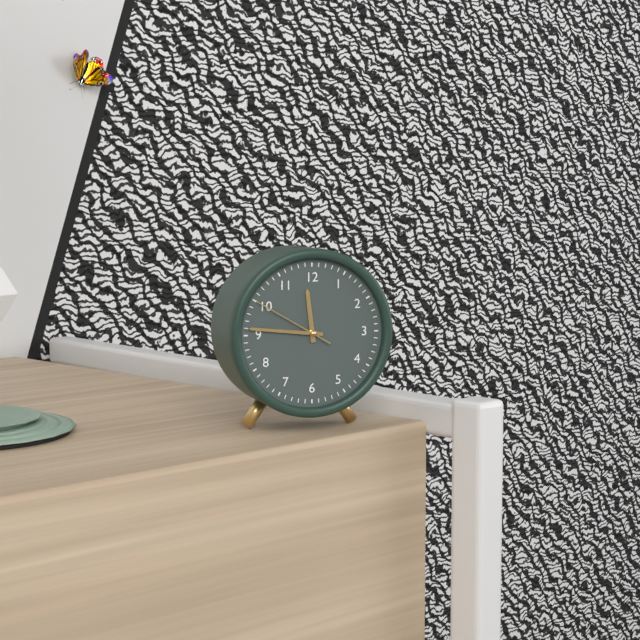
11:46:50
